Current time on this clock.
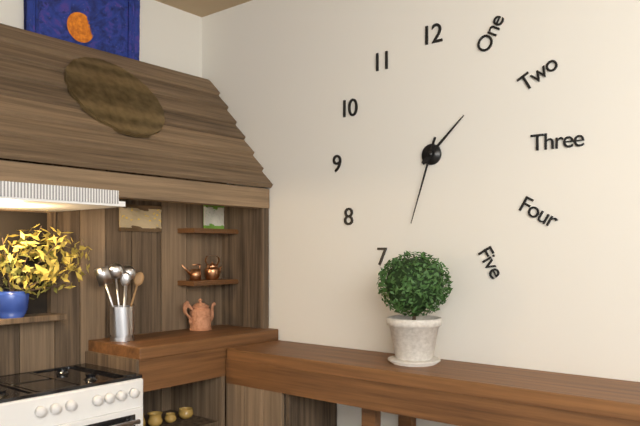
1:33
